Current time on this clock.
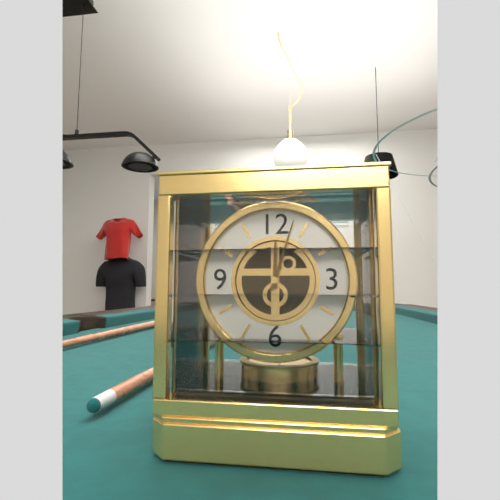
12:03
